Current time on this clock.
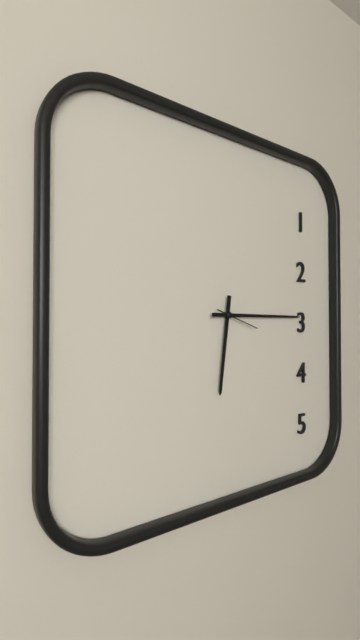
6:15
